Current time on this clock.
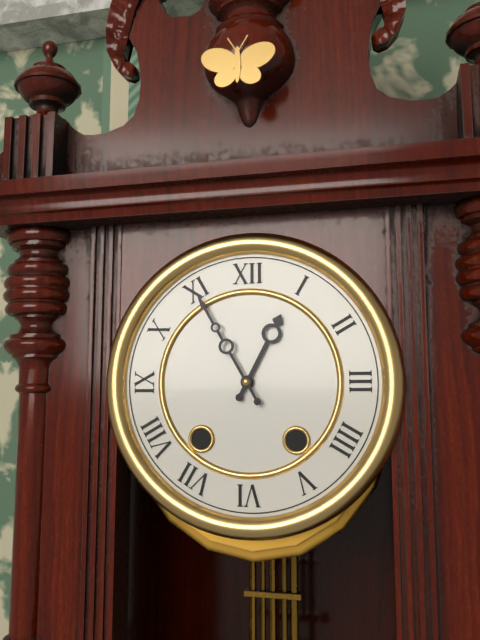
12:55
